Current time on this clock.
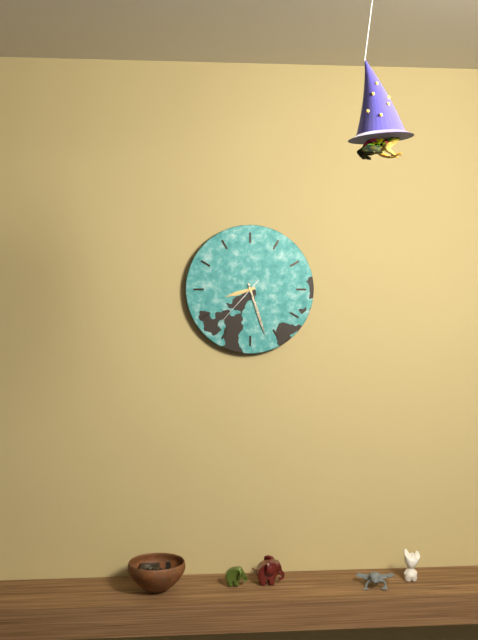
8:27:37
